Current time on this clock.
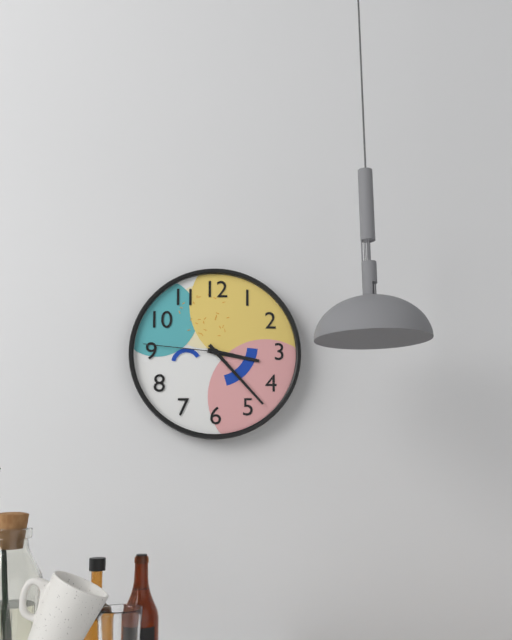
3:23:46
